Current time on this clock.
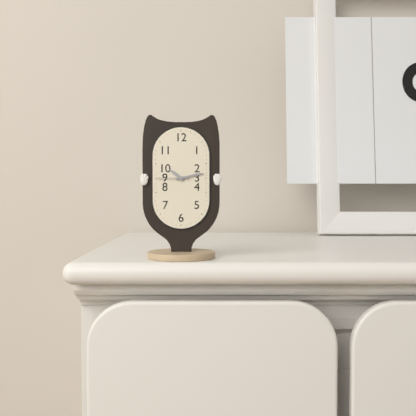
10:13
